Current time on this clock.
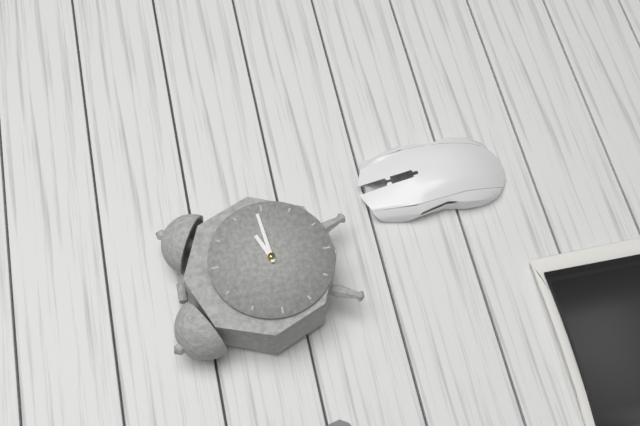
2:14
